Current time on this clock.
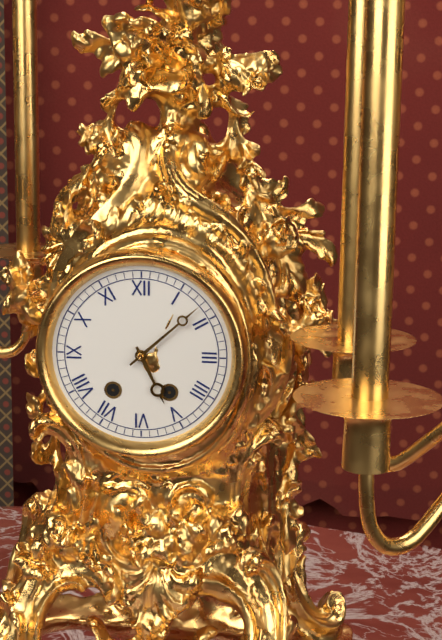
5:08
